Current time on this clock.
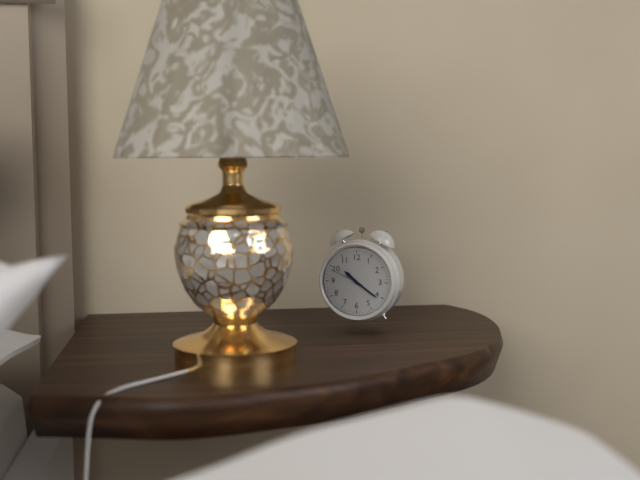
10:21
